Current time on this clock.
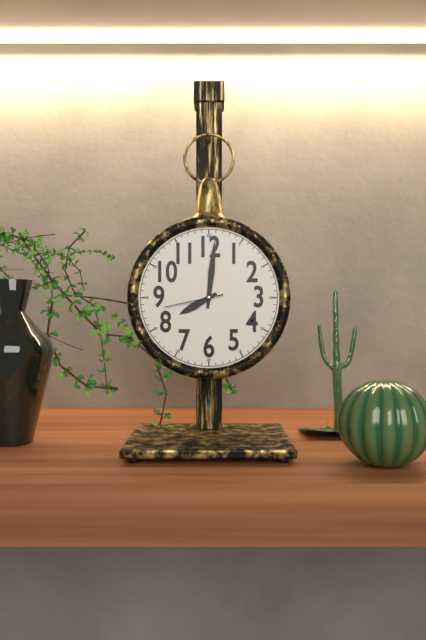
8:01:43
